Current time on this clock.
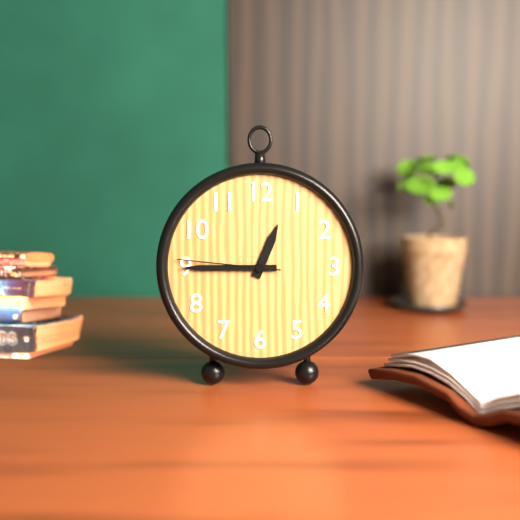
12:45:46
